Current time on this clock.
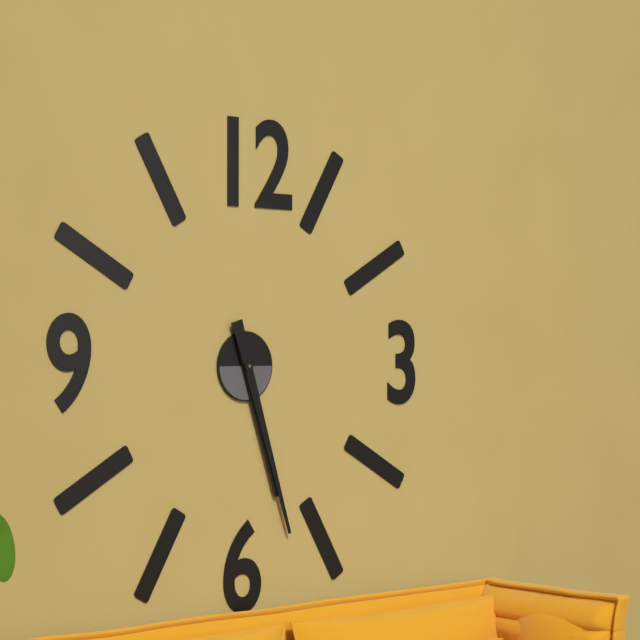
5:27
